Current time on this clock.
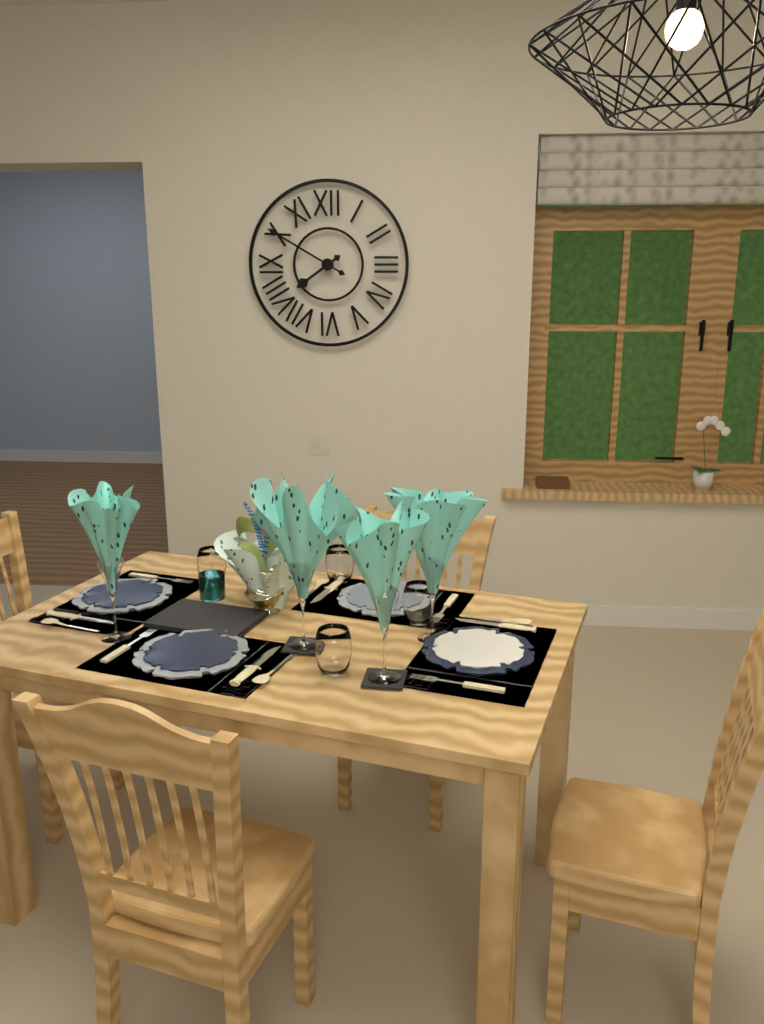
7:50
